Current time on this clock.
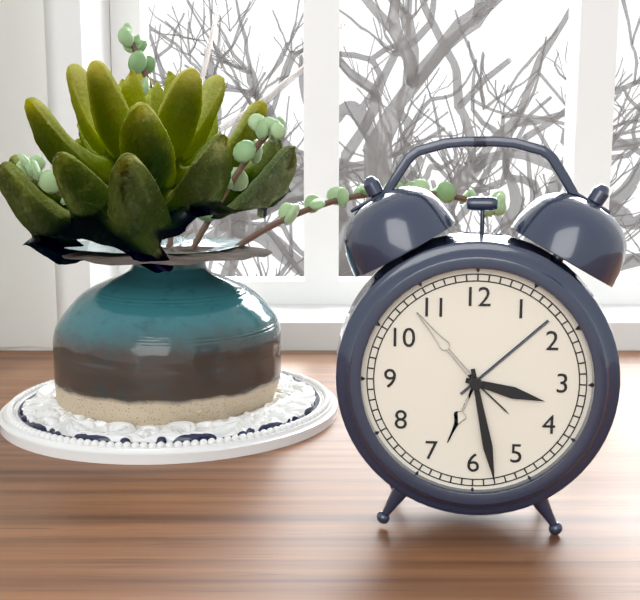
3:28
